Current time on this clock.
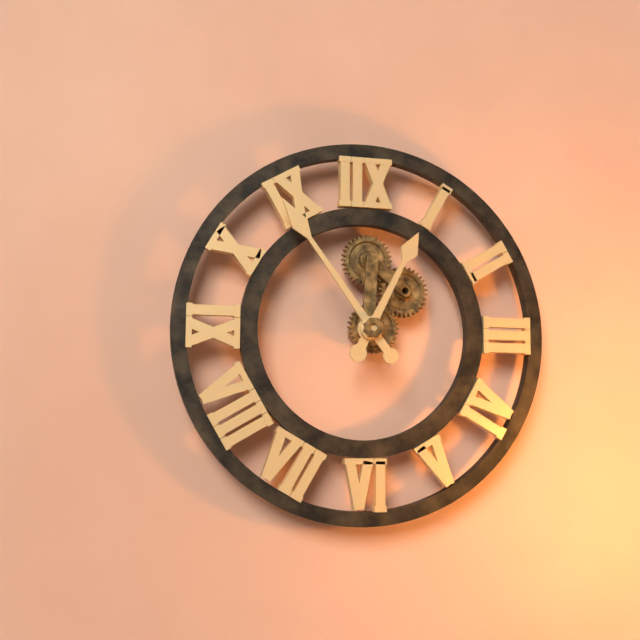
12:54
